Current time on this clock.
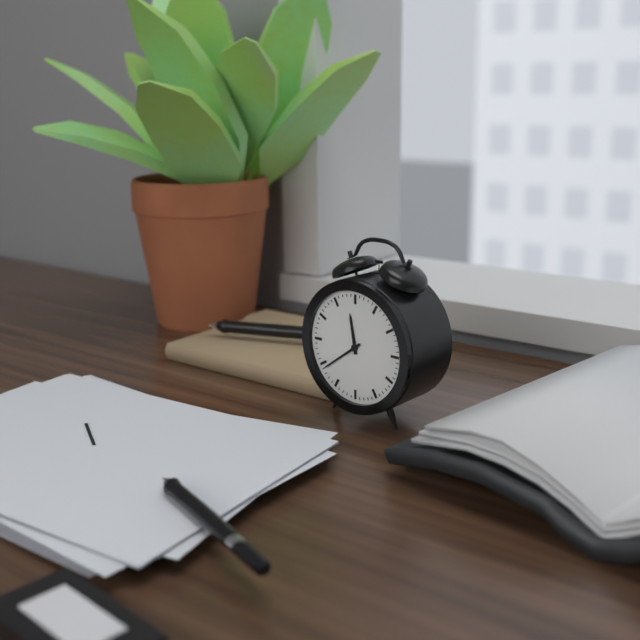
11:39
